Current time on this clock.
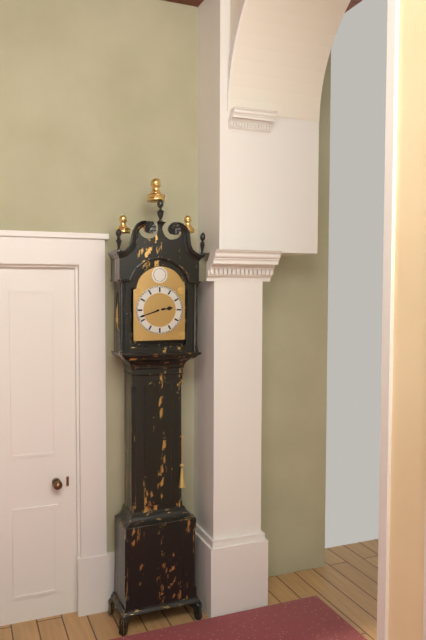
2:42
